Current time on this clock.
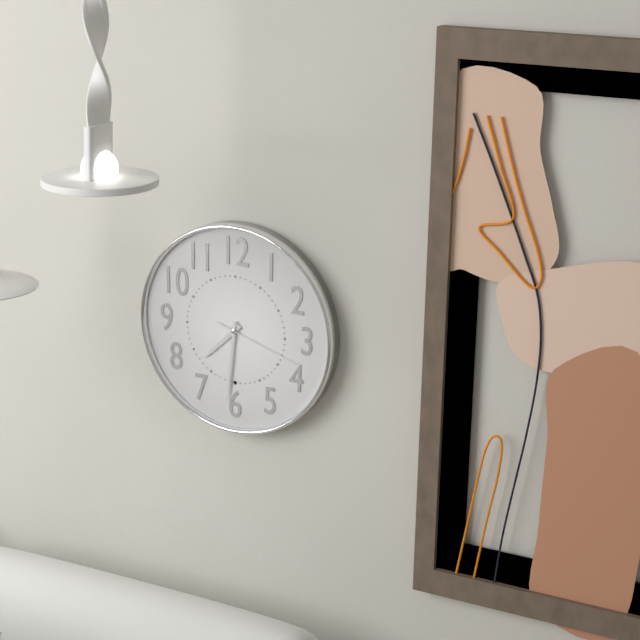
7:31:18
